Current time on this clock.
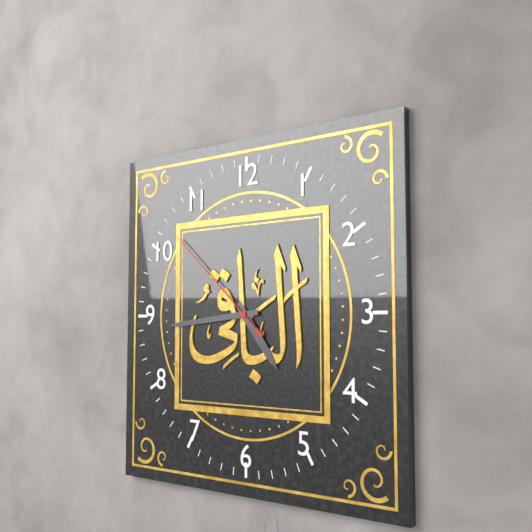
4:44:52
